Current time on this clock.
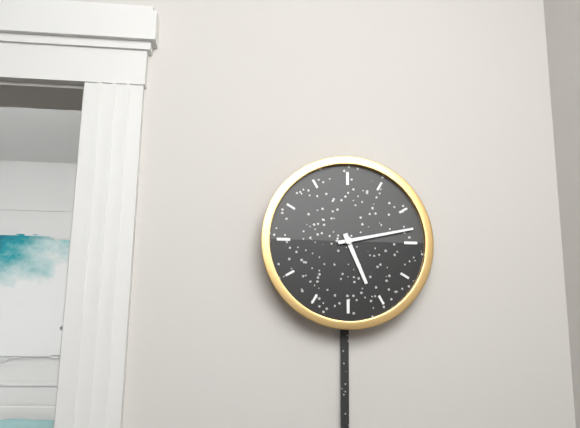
5:13
